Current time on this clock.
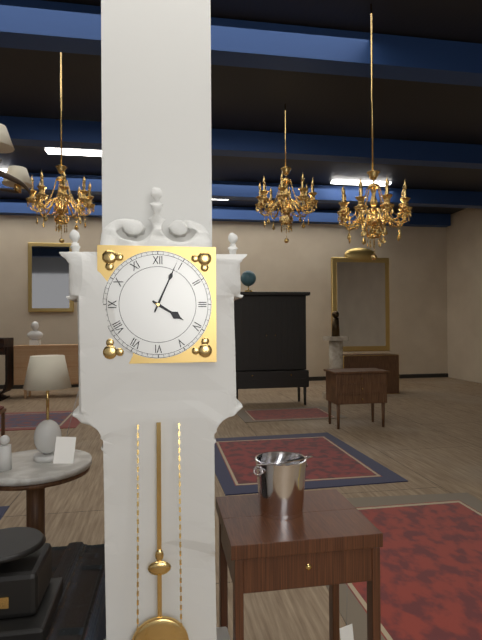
4:04
